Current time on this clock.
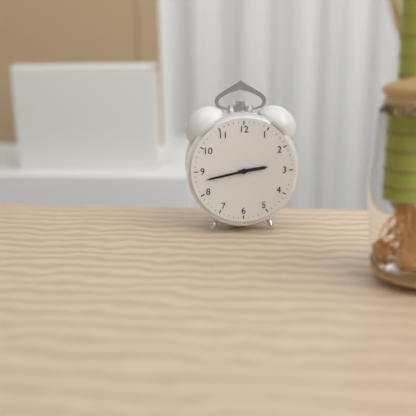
2:43
